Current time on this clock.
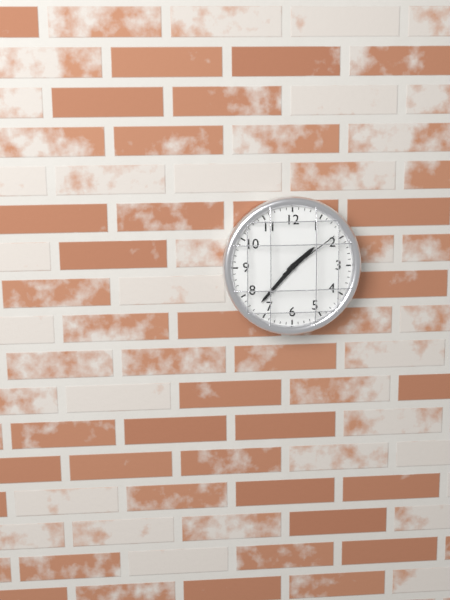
1:37:09
